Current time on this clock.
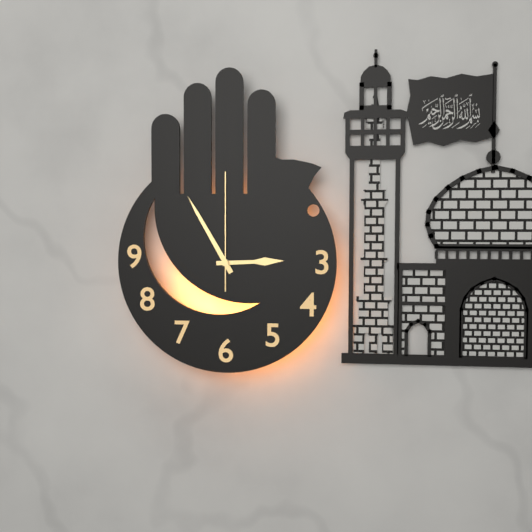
2:55:00
